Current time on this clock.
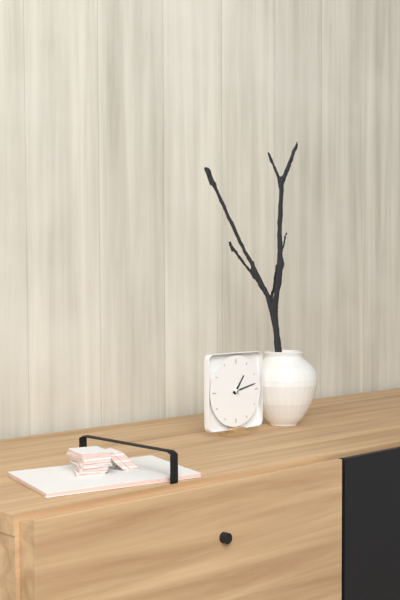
1:13
